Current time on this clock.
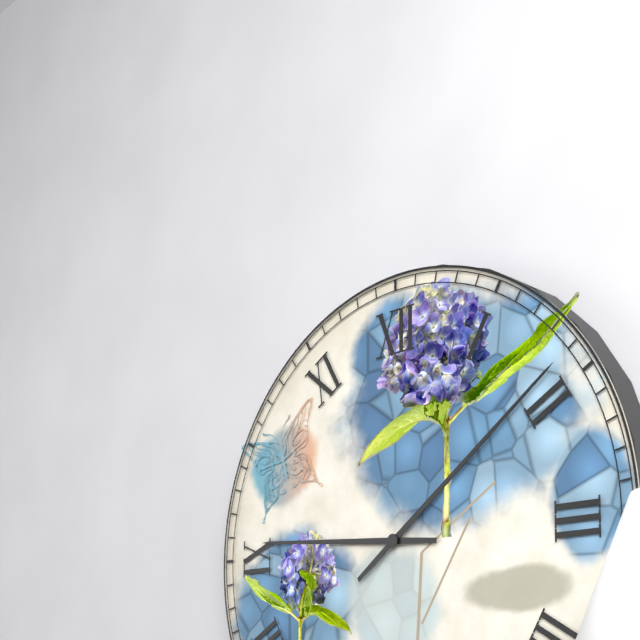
9:09
